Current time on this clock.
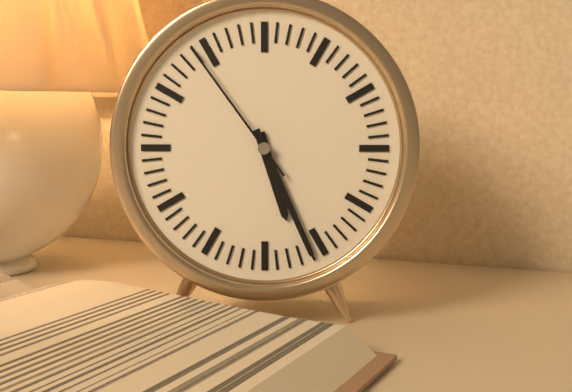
5:26:54
